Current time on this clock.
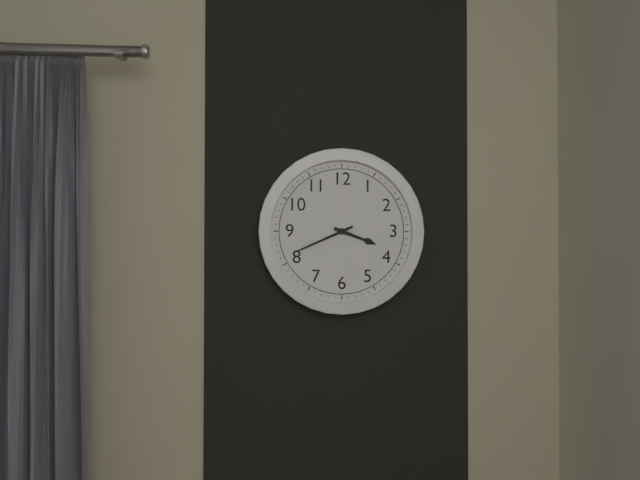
3:41
